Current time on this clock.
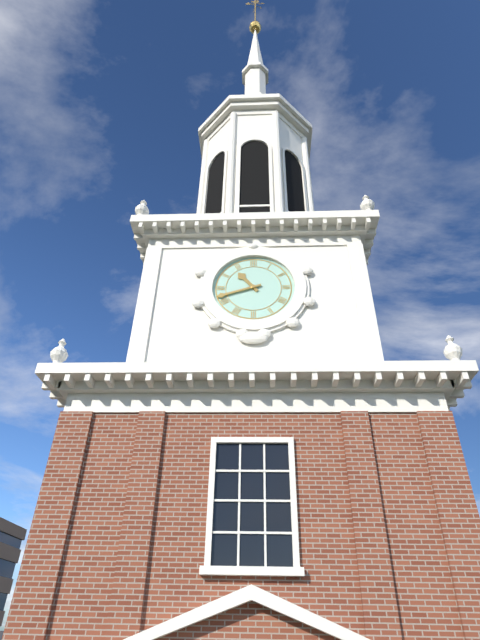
10:42
